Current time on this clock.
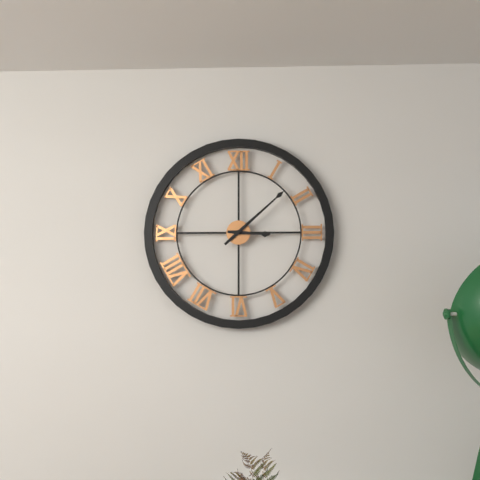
3:08
